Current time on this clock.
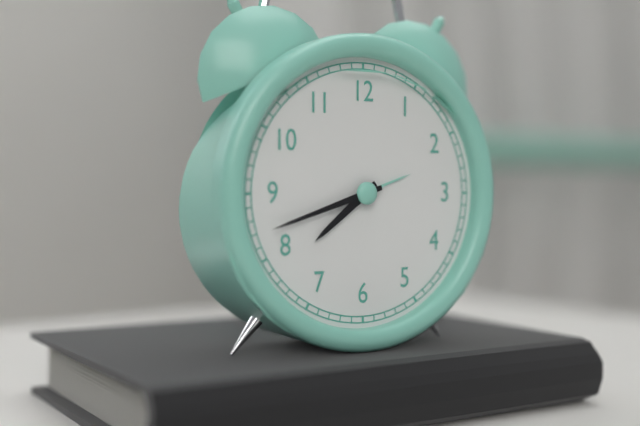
7:42
